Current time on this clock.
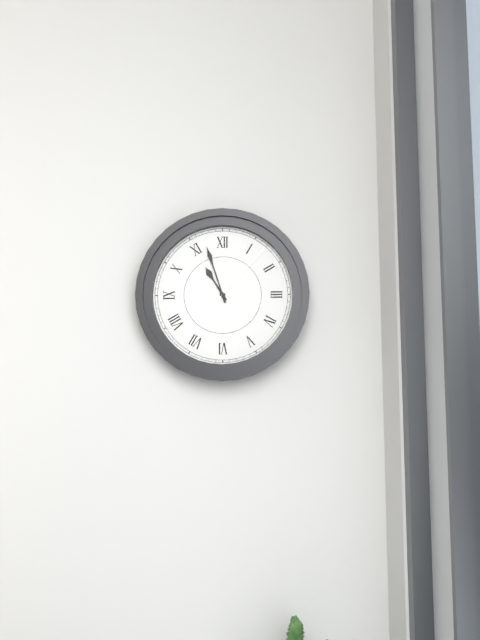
10:57:07
